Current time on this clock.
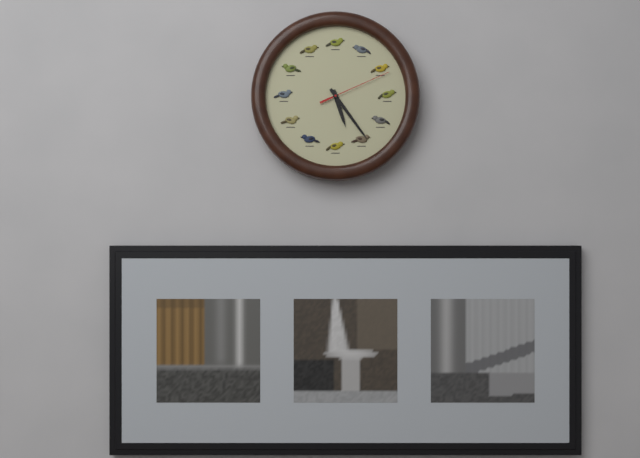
5:24:11
